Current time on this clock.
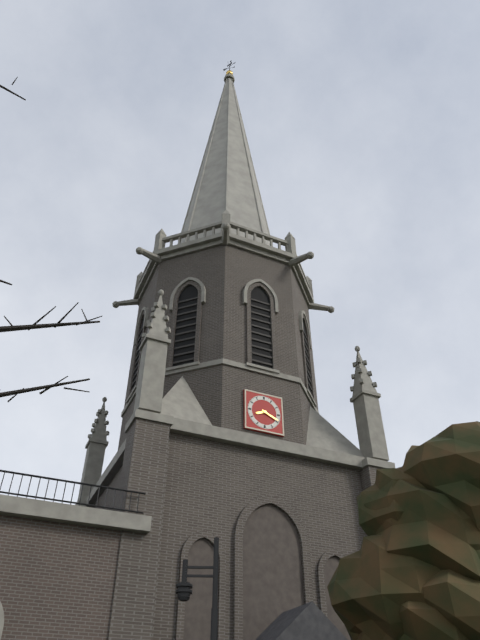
8:19
